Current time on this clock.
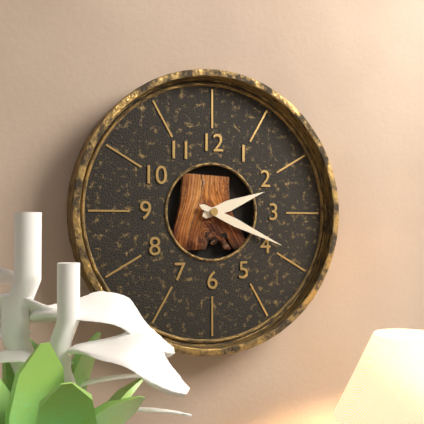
2:19
